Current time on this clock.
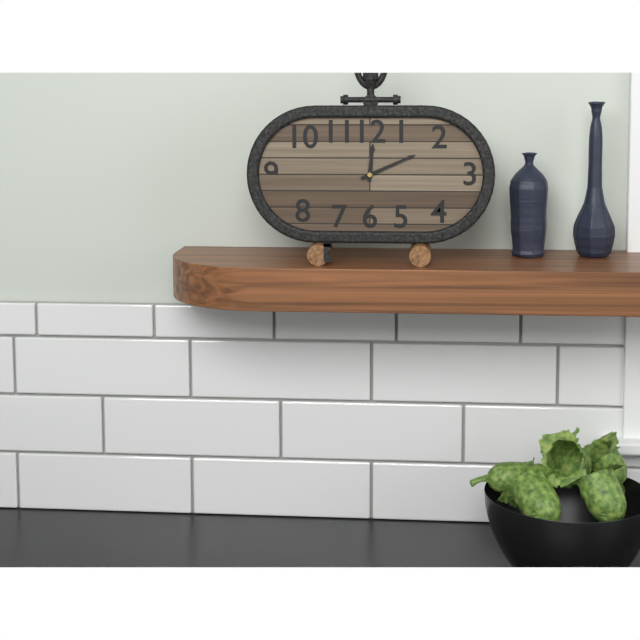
12:11
